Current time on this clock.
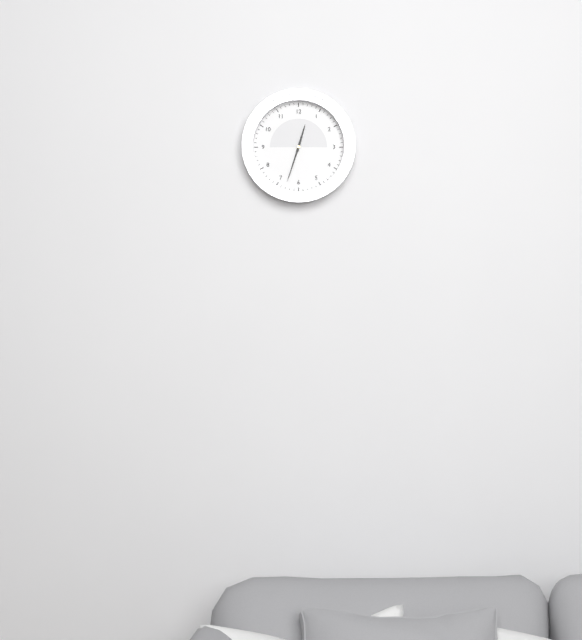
12:33
